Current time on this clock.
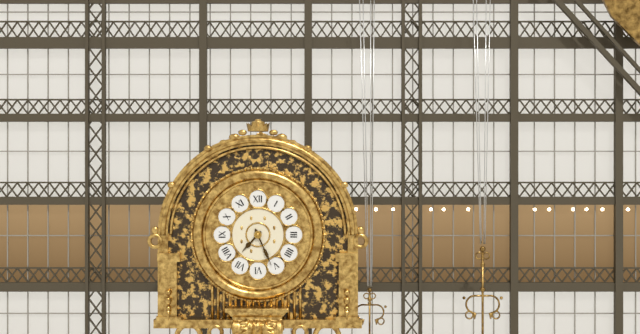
7:26
